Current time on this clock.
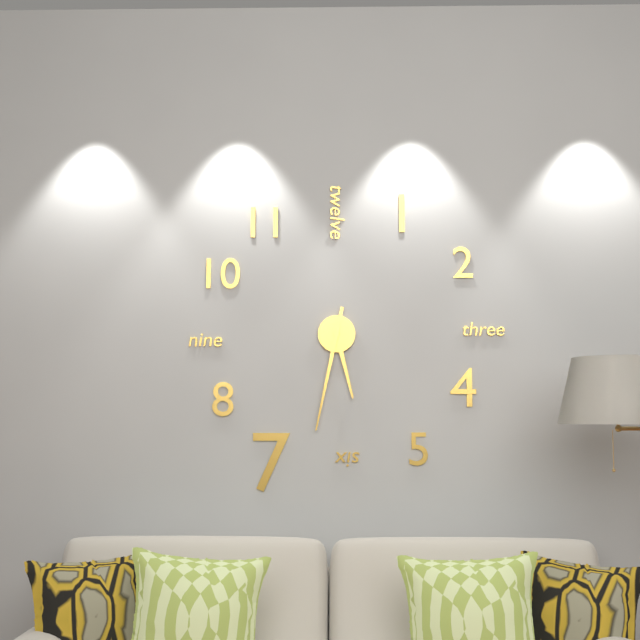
5:32
